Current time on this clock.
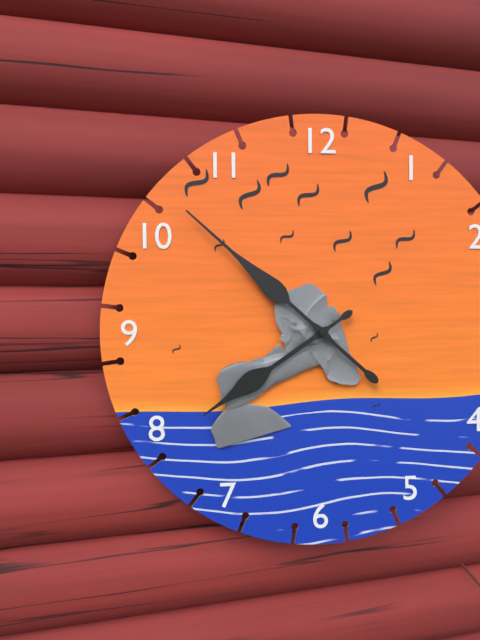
7:52
